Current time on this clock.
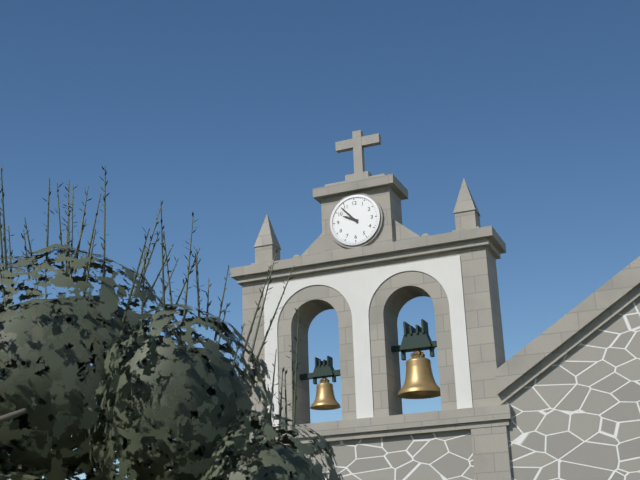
9:53
